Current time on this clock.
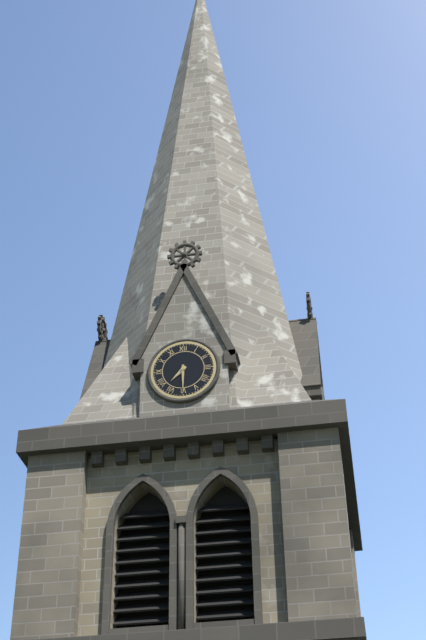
7:30
